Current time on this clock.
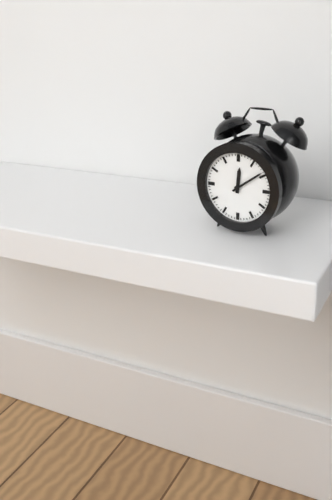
12:09
